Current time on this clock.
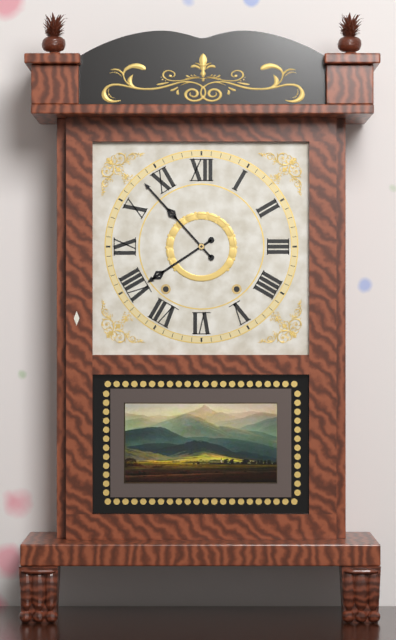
7:53
